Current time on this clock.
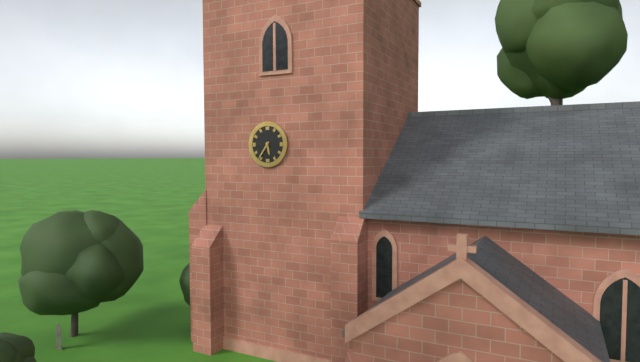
5:36
